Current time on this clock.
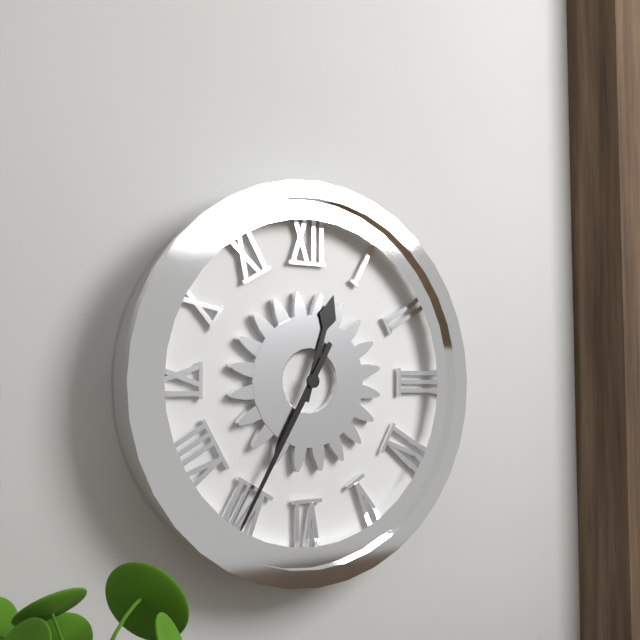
12:35
